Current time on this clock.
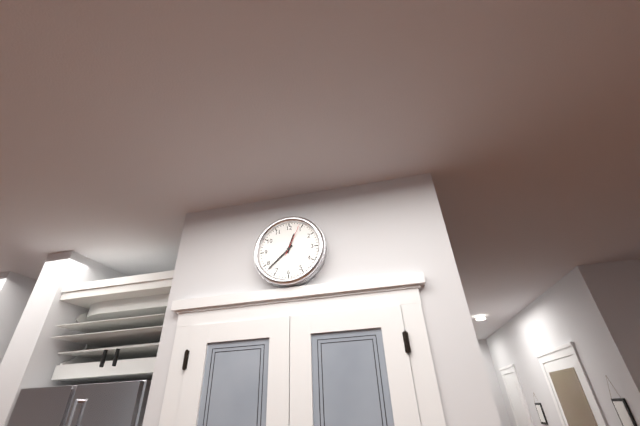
12:38
